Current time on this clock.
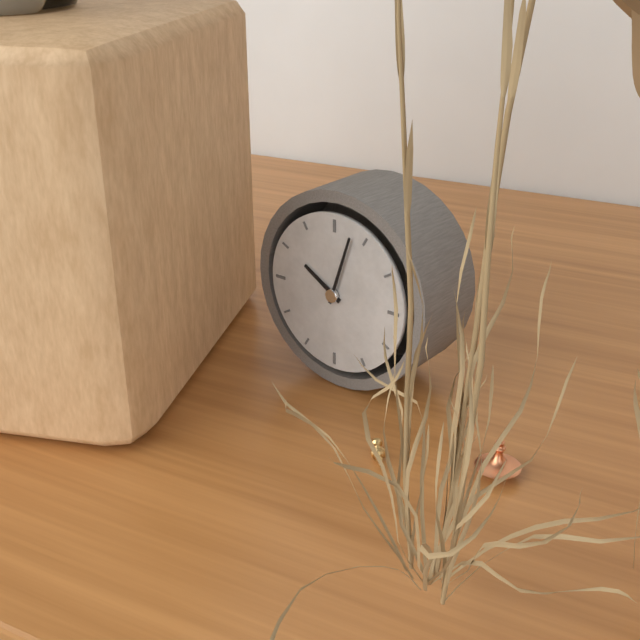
10:03
